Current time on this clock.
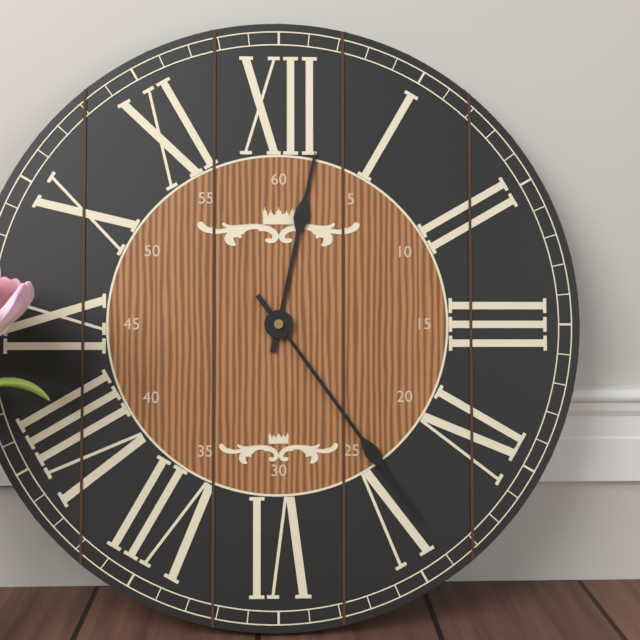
12:24
